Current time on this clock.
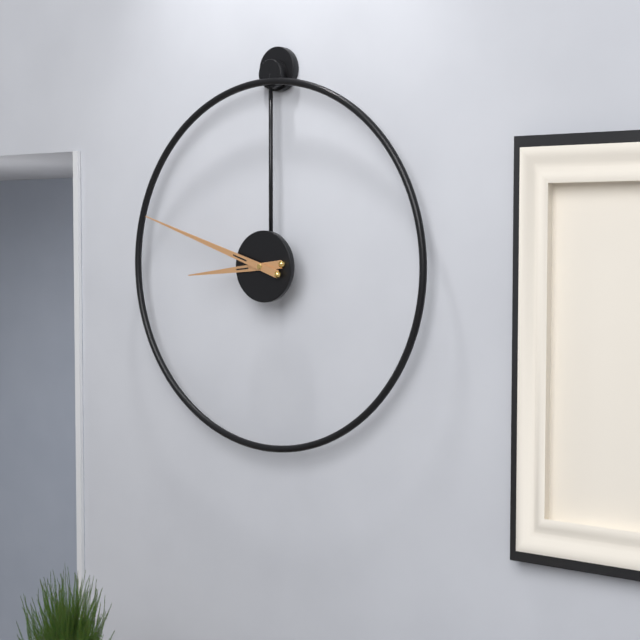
8:48
